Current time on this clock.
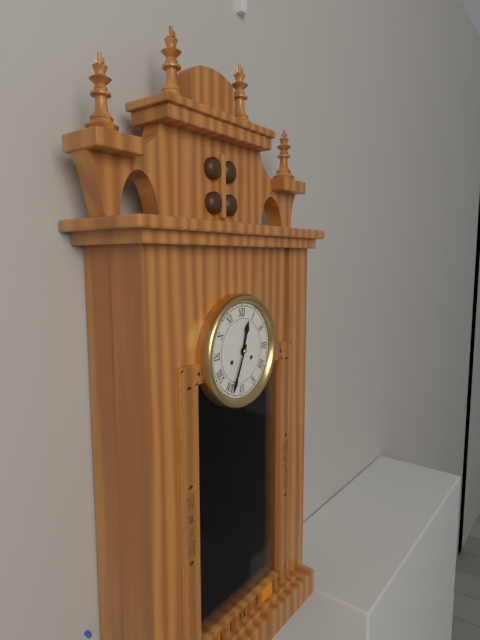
12:34
